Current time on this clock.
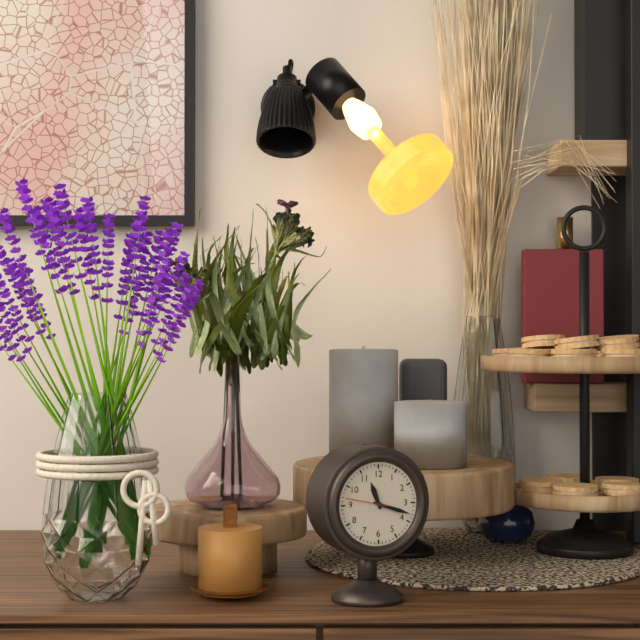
11:18
